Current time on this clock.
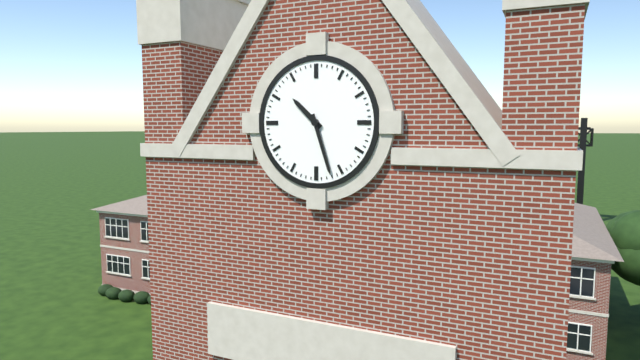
10:27
